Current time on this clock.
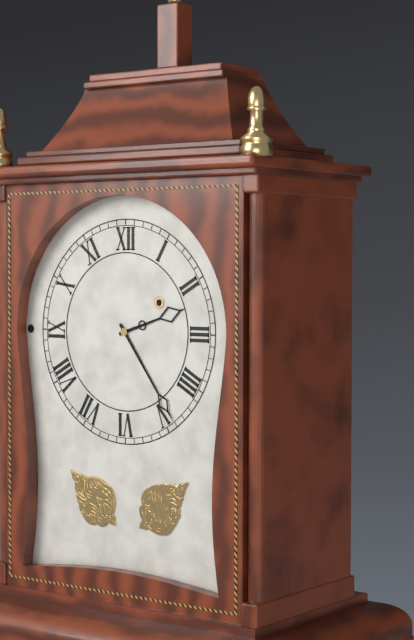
2:24
